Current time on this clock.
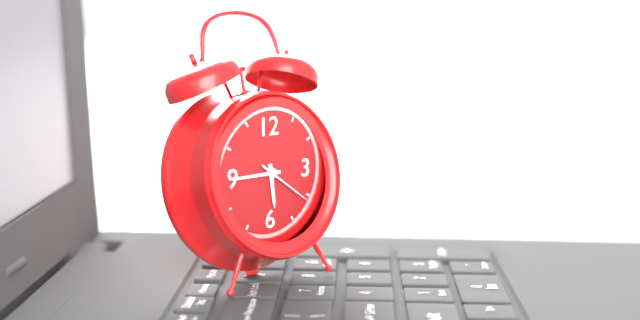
5:45:21
